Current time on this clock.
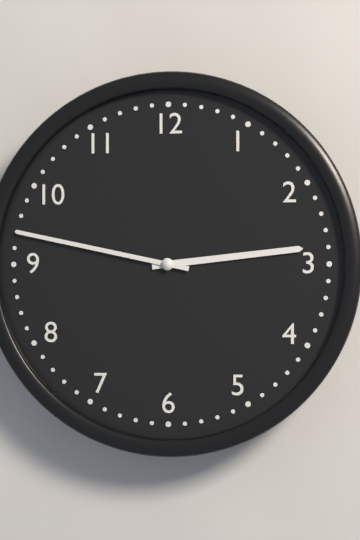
2:47
